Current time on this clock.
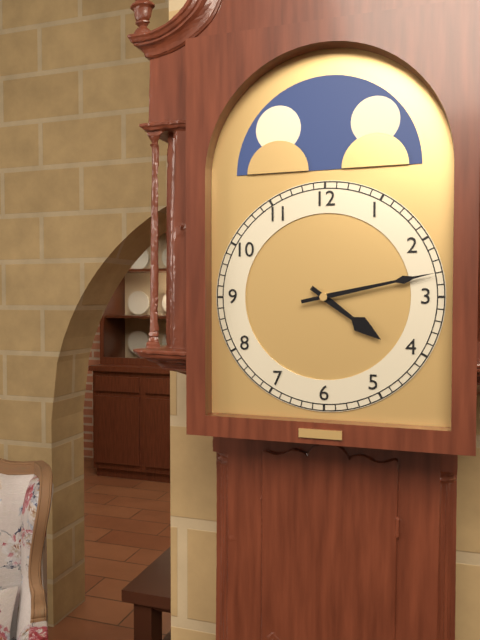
4:13
